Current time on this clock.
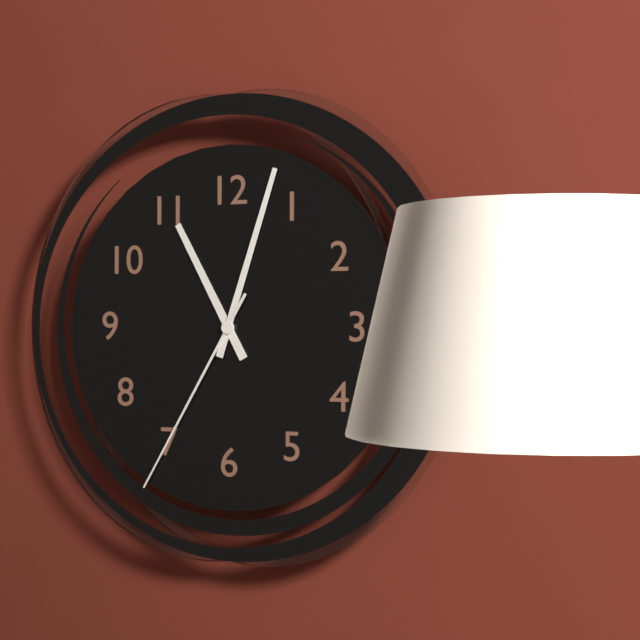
11:03:35
